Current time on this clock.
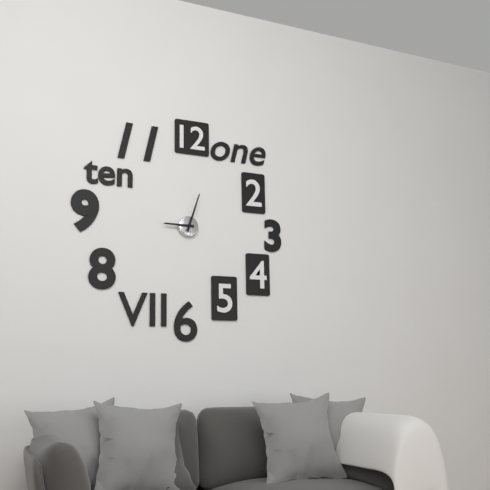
9:03
